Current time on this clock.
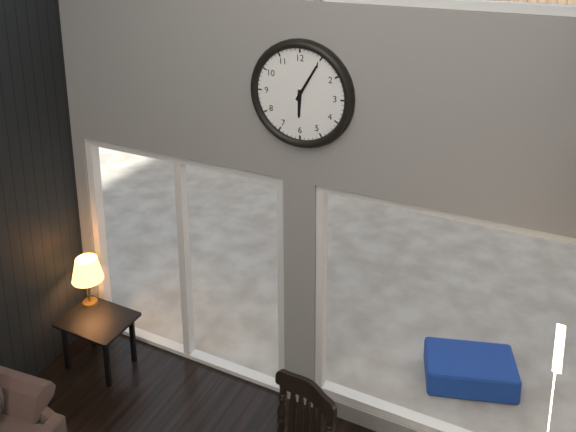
6:05
